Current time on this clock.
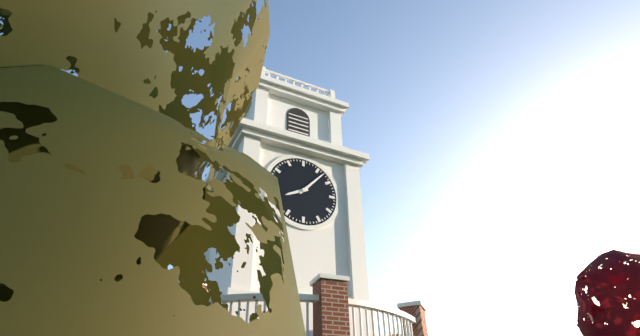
8:07
